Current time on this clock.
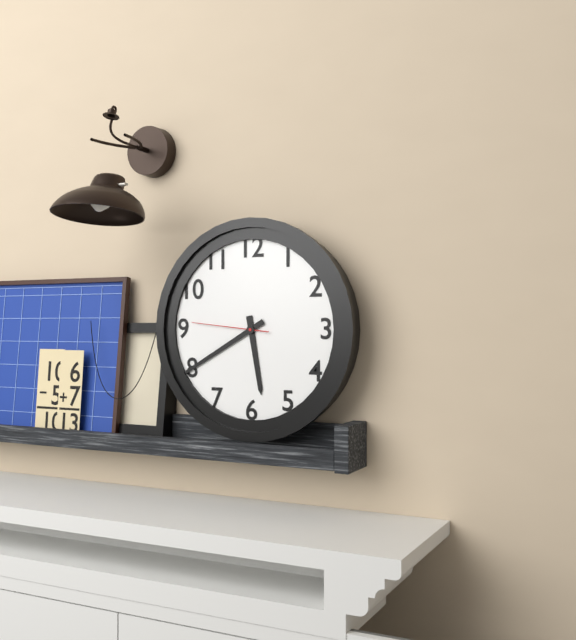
5:40:46
